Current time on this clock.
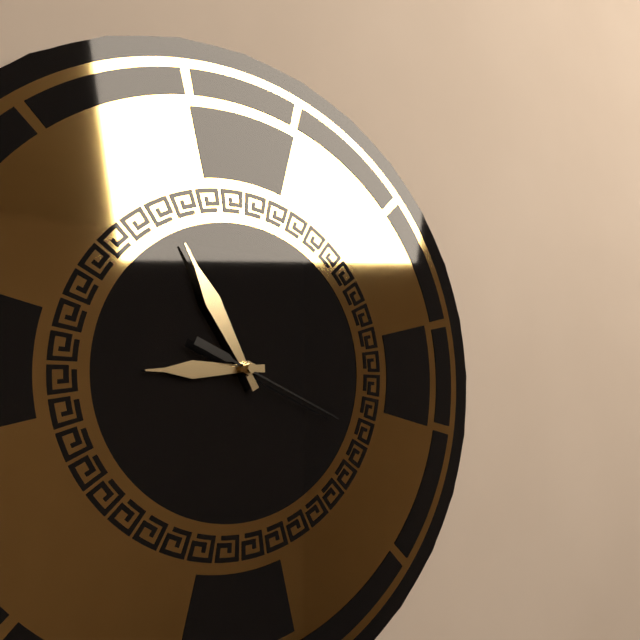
8:55:19
